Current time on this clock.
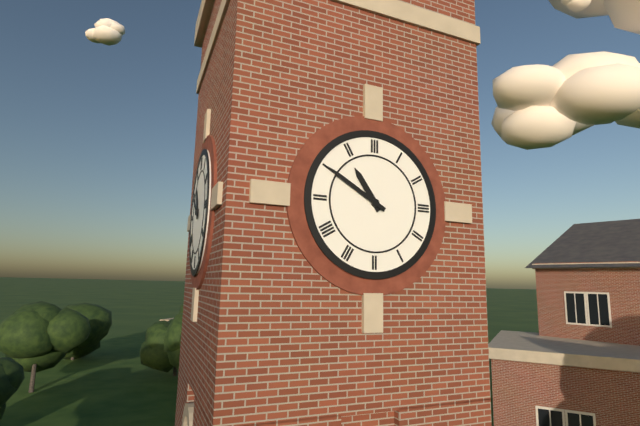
10:50
